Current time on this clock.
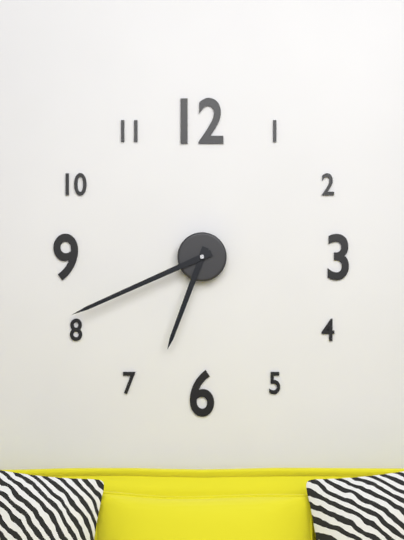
6:41
